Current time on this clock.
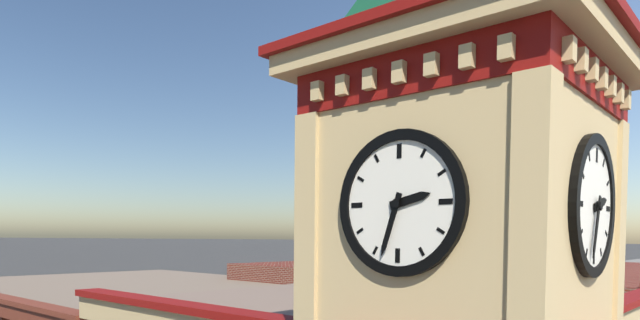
2:33
